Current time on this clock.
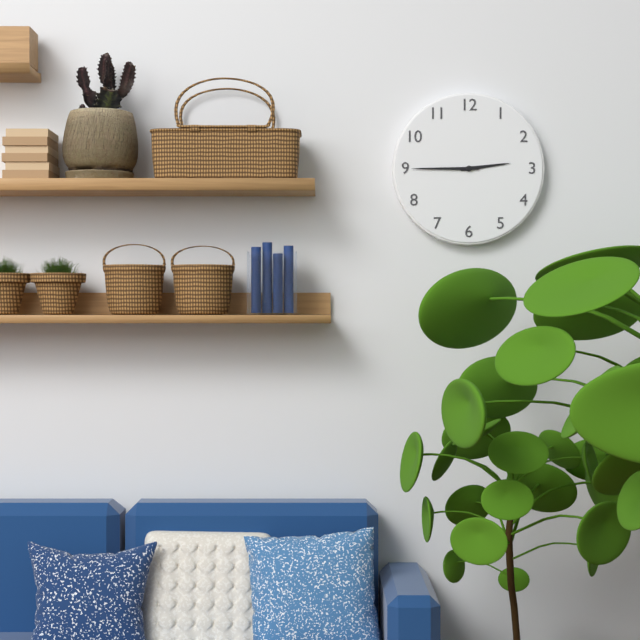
2:45
